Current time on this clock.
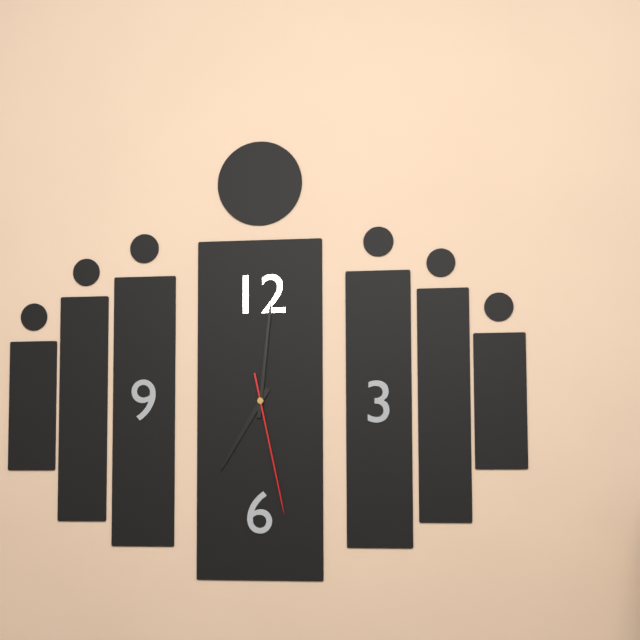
7:01:28
